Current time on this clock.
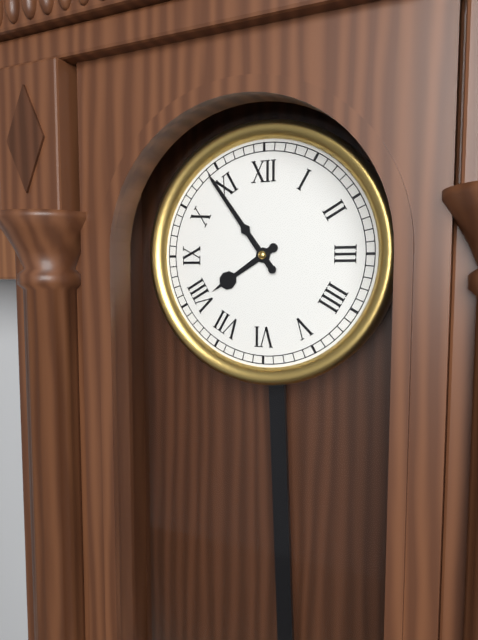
7:54
